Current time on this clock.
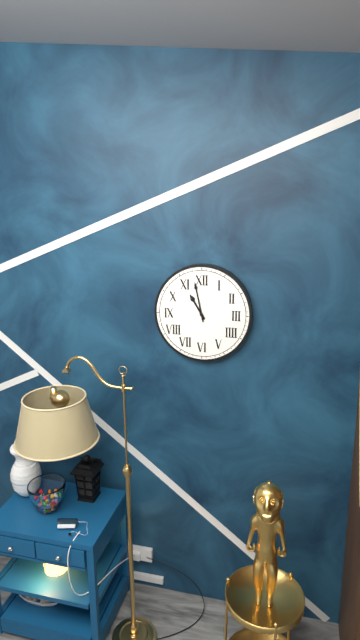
10:58
